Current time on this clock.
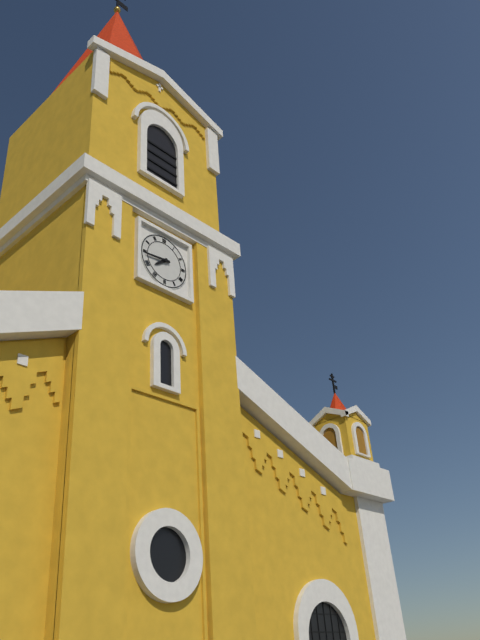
7:44
